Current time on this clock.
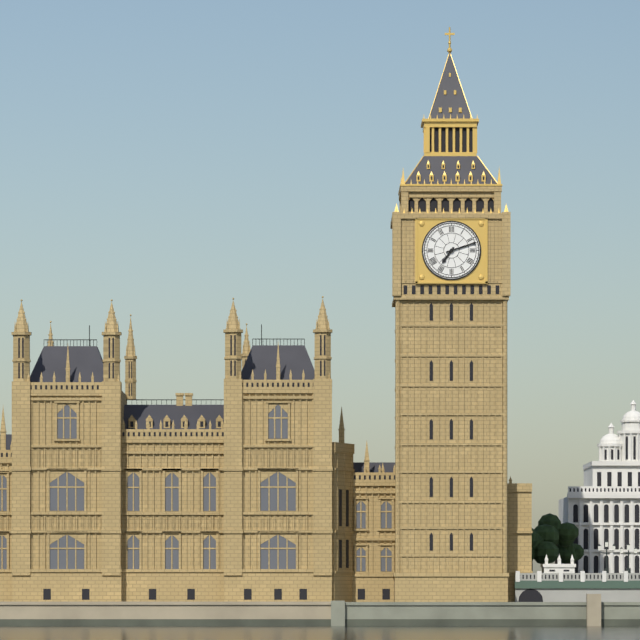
7:12
